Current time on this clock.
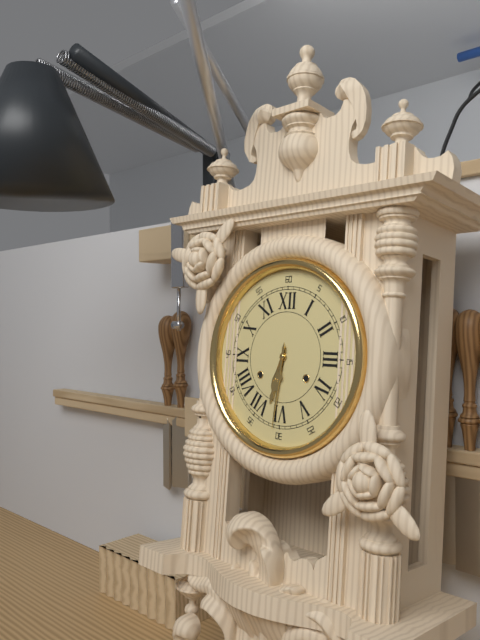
6:31
